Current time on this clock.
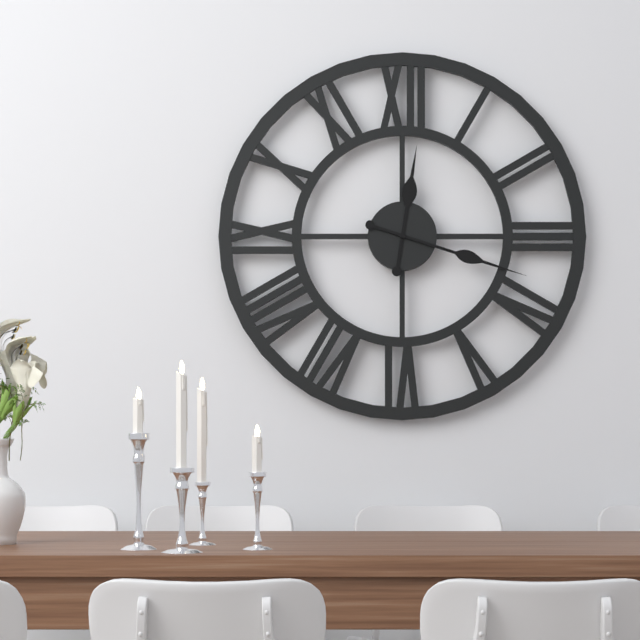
12:18
